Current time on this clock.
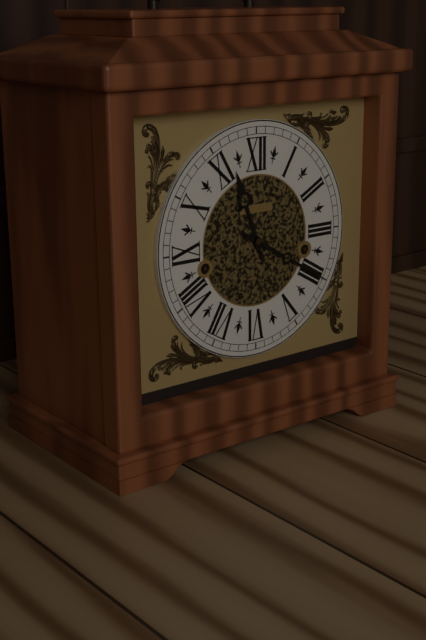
11:20
